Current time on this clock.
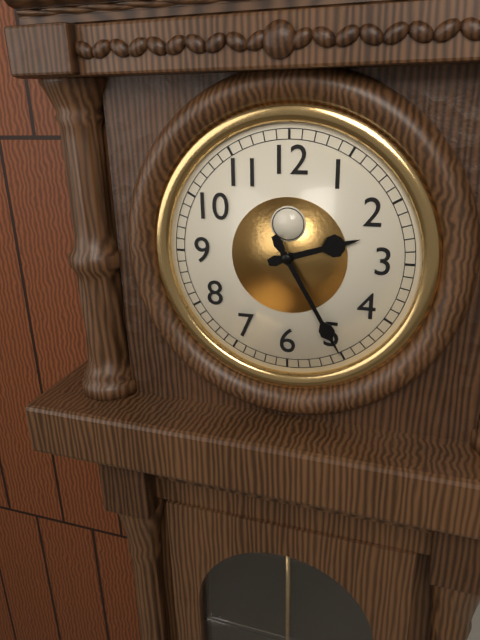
2:25
